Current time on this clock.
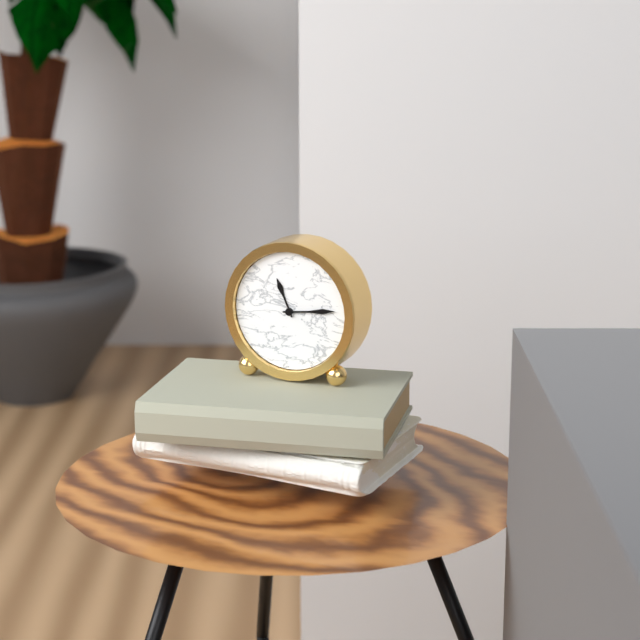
11:14
